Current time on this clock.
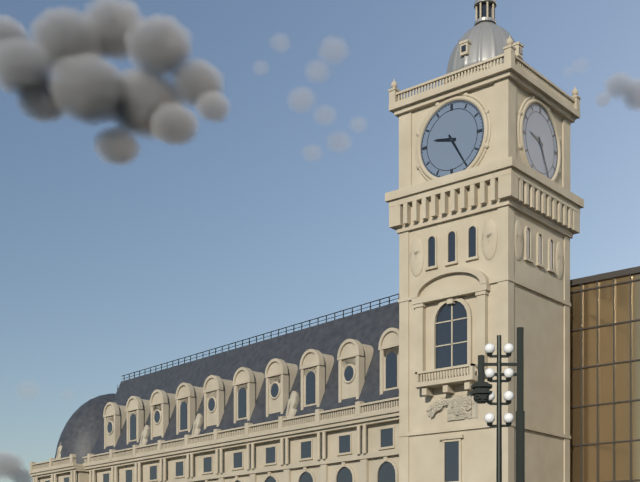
9:25
